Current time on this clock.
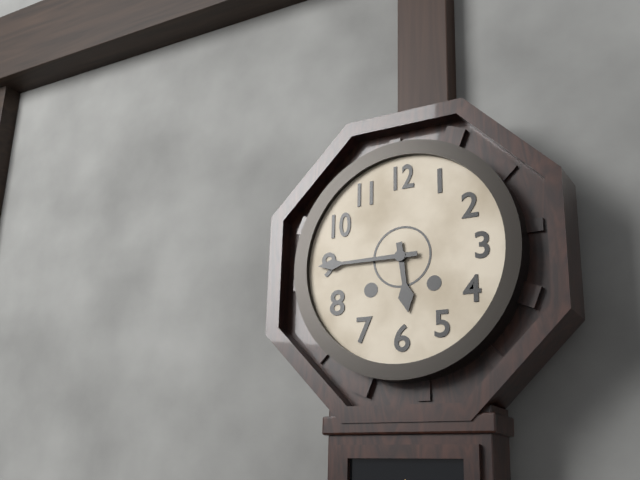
5:45
